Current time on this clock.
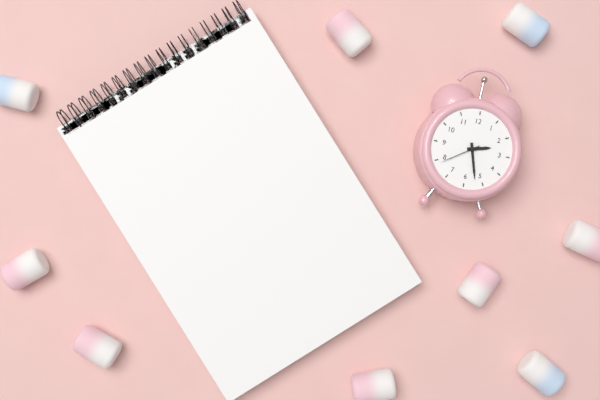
2:27
